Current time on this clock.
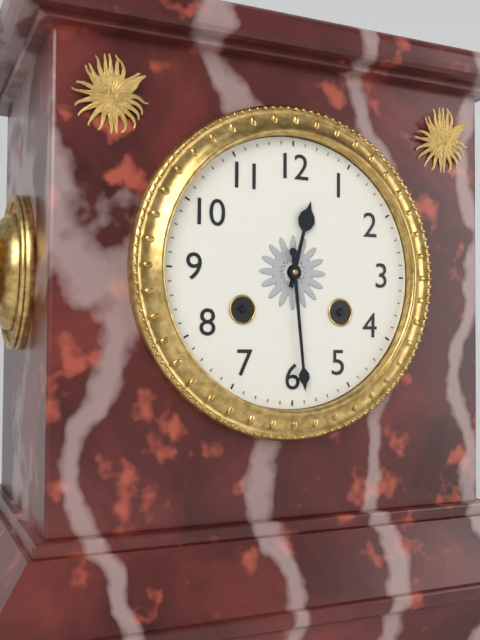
12:29
